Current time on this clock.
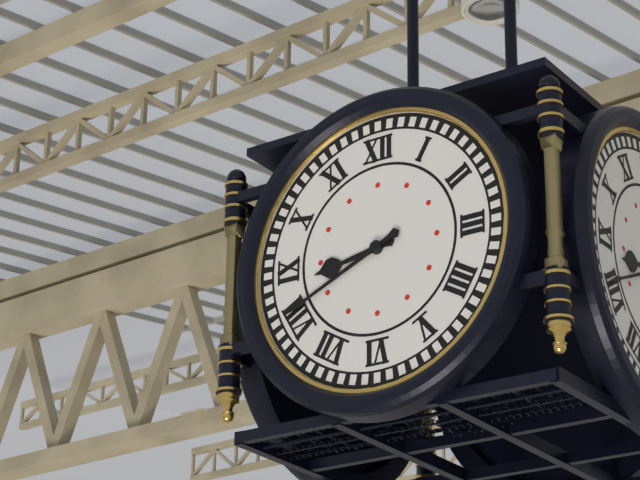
8:41
